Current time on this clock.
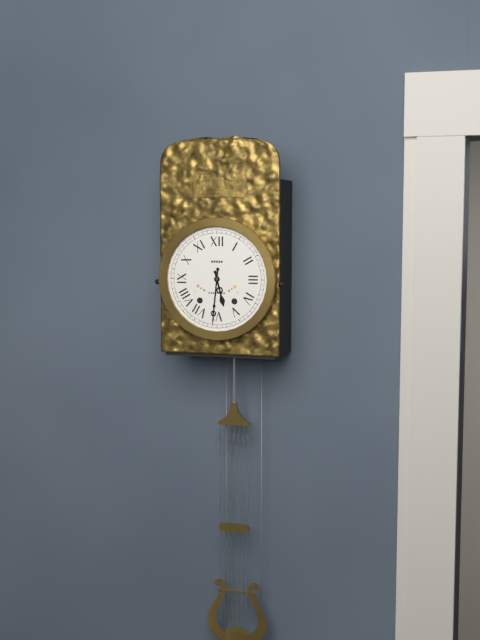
5:31
